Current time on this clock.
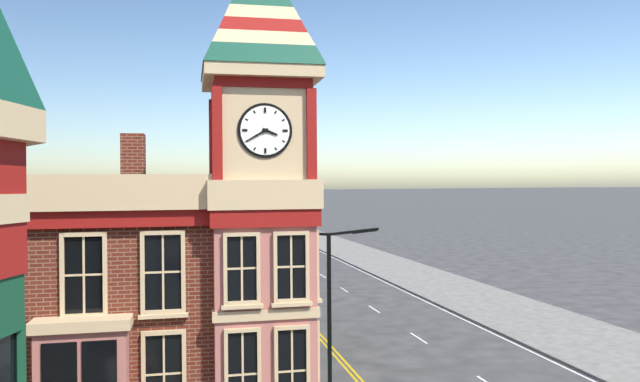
3:40
